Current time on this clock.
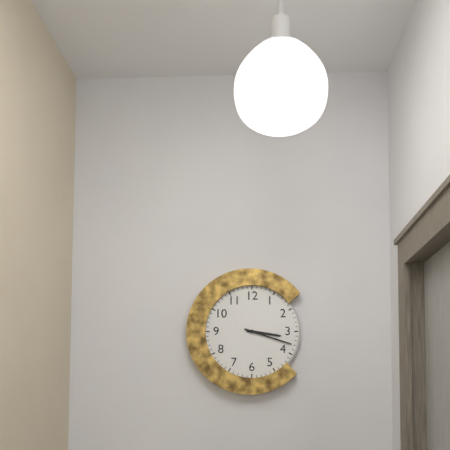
3:18
